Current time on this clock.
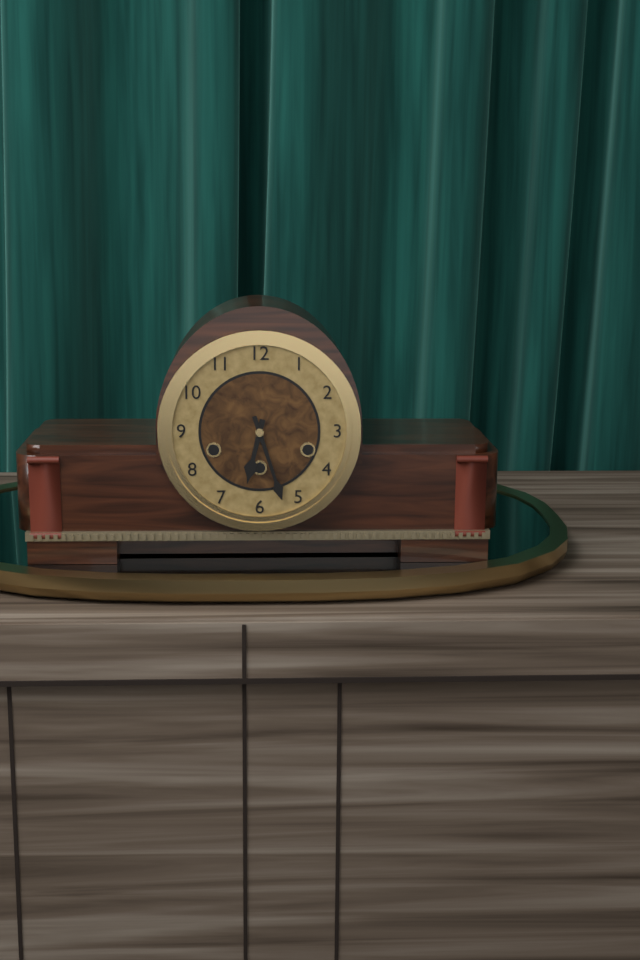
6:27
